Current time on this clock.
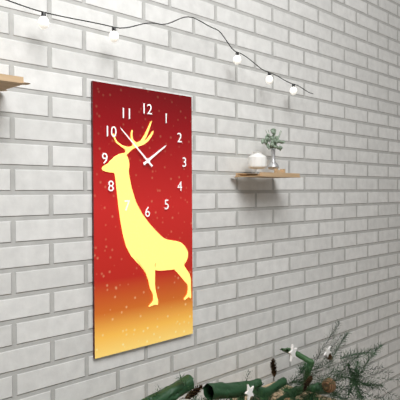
1:52
